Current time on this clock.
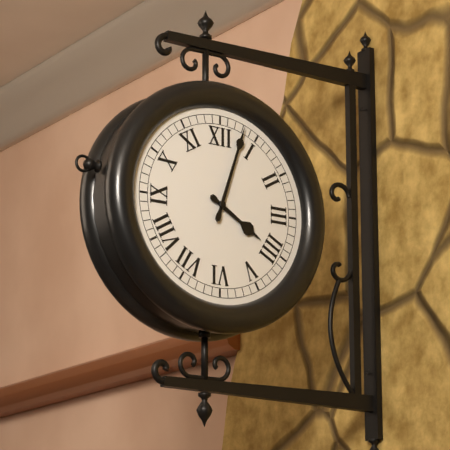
4:03
